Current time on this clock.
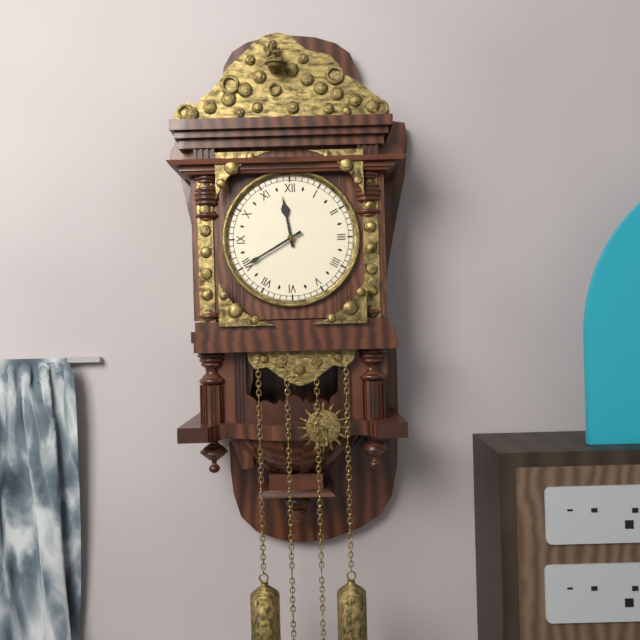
11:40
